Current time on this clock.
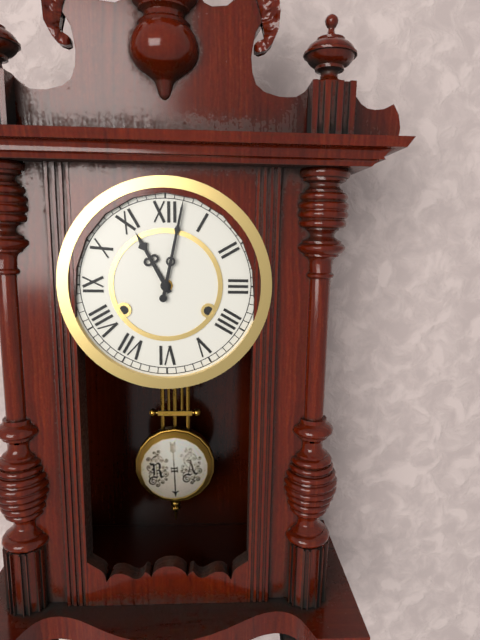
11:02
